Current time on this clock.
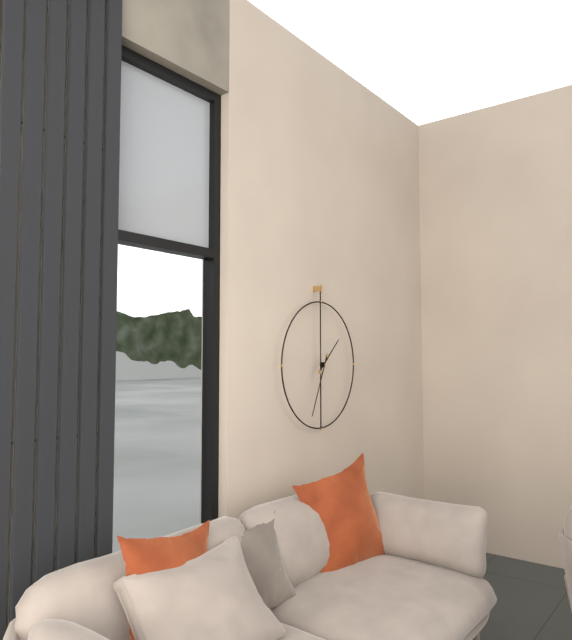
1:34
